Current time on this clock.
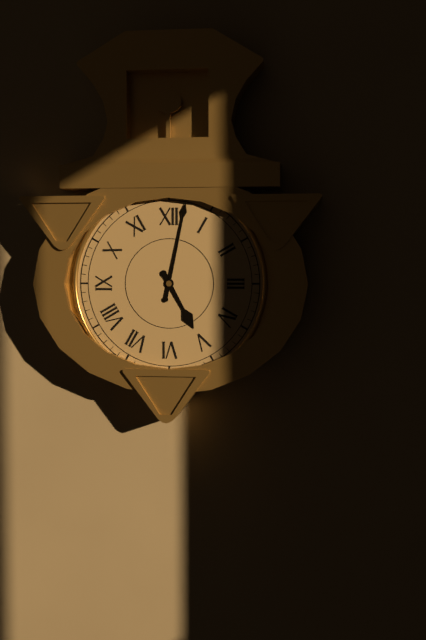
5:02
